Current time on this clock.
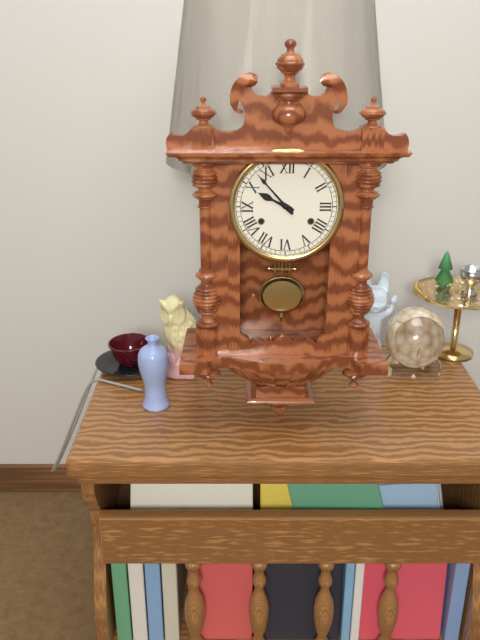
9:53
